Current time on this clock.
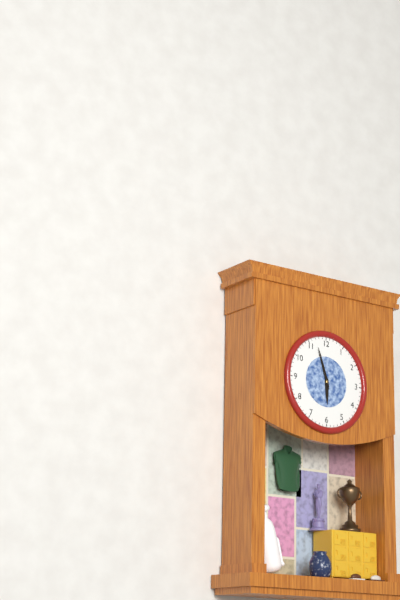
5:57
